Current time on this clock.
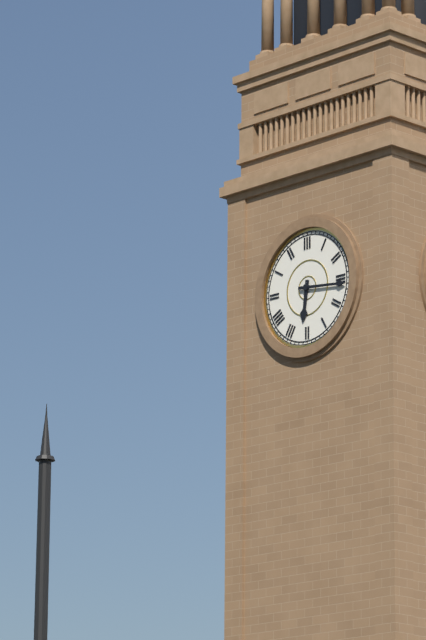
6:16
